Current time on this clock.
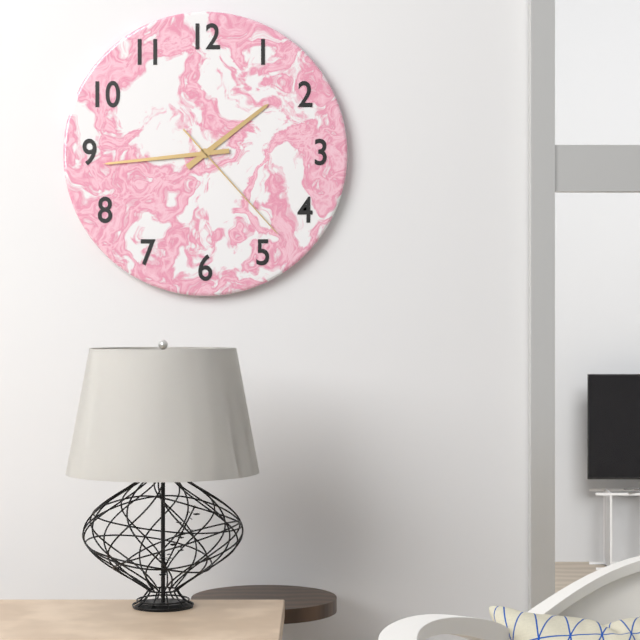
1:44:23
